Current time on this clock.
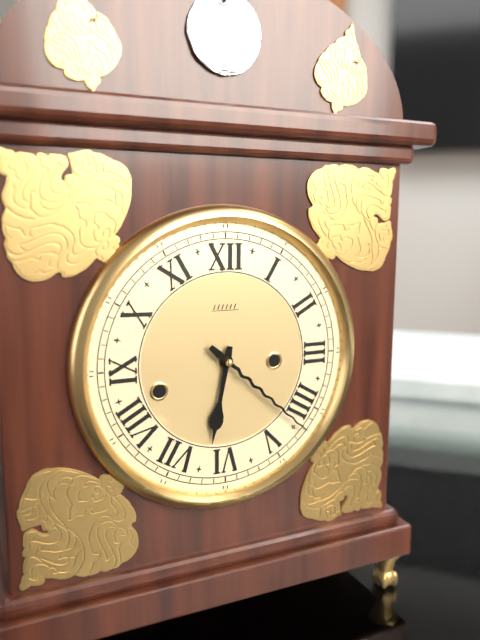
6:22
